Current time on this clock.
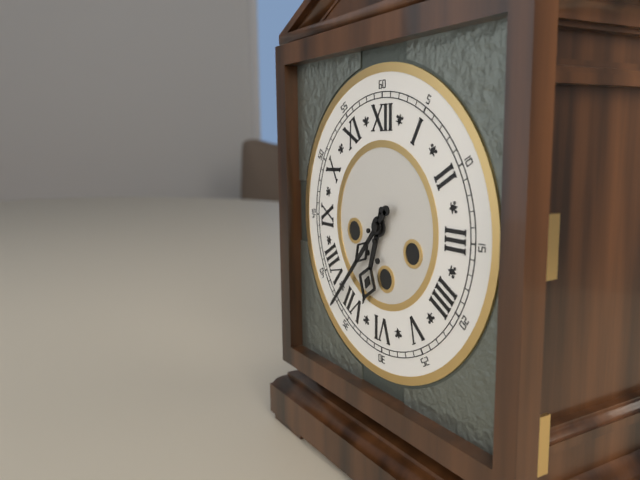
6:37
